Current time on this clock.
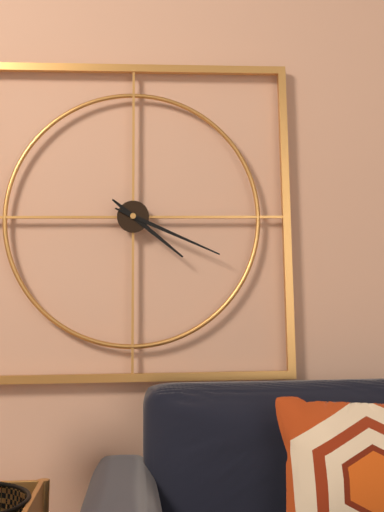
4:19
